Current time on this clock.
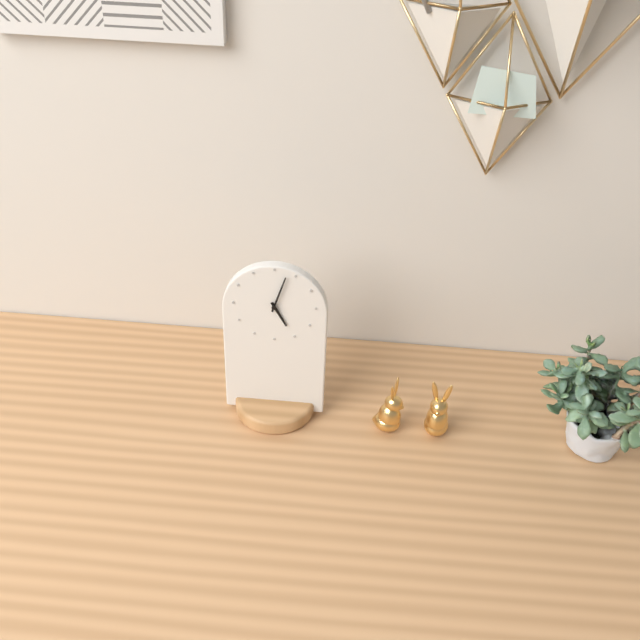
5:03
